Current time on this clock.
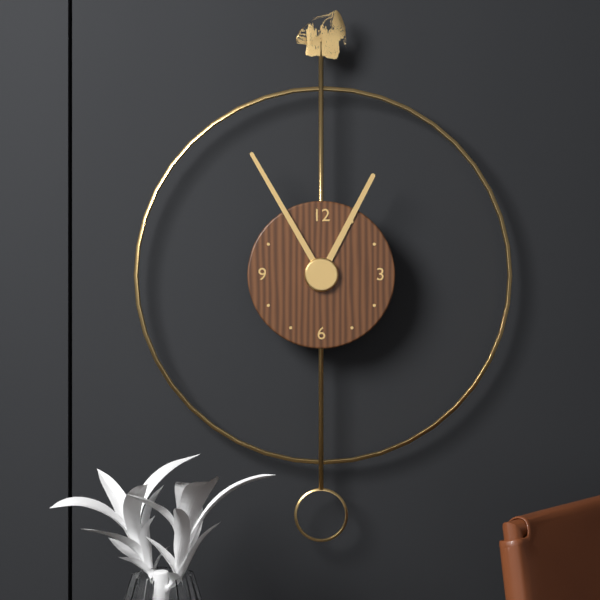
12:55
